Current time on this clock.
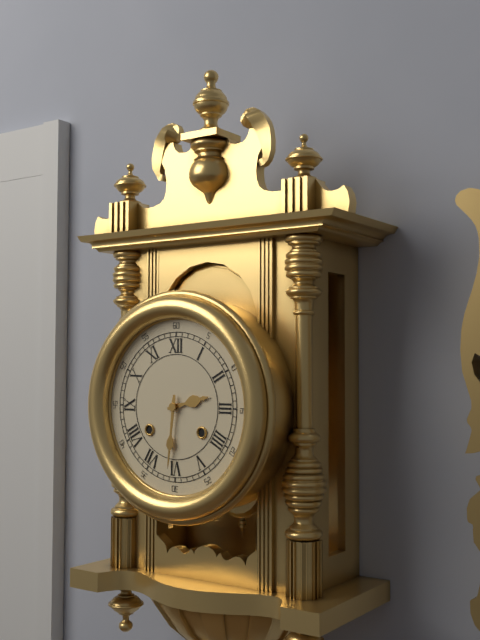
2:31
